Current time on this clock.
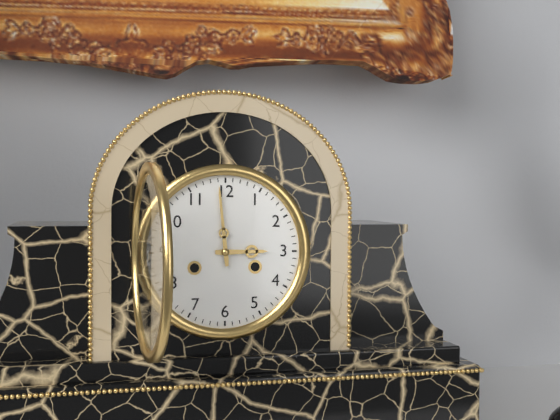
2:59
